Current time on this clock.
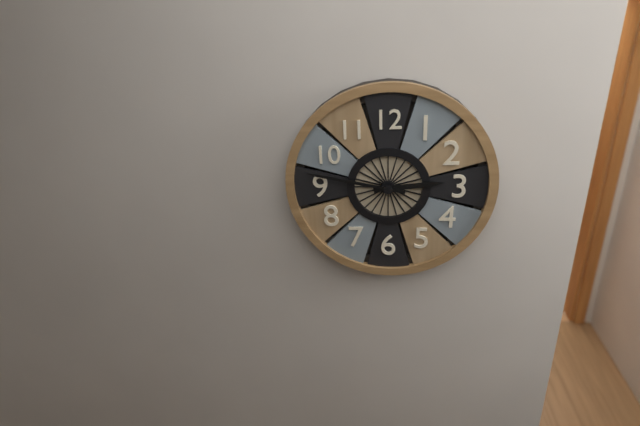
2:47
